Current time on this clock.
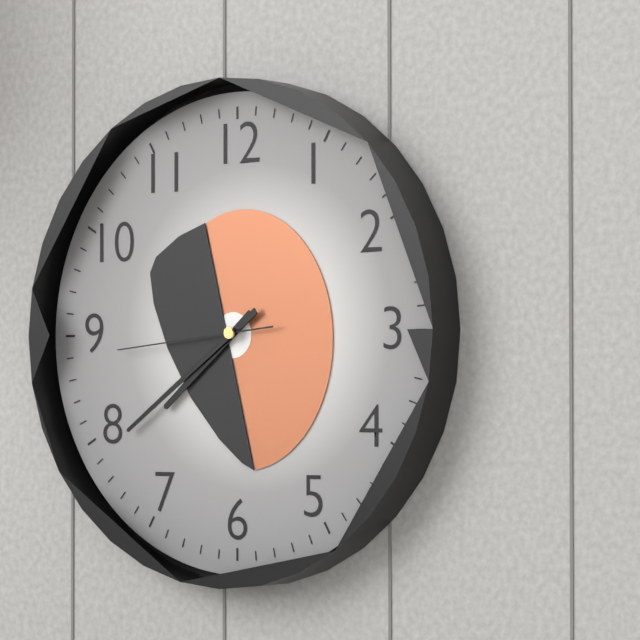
7:39:44
